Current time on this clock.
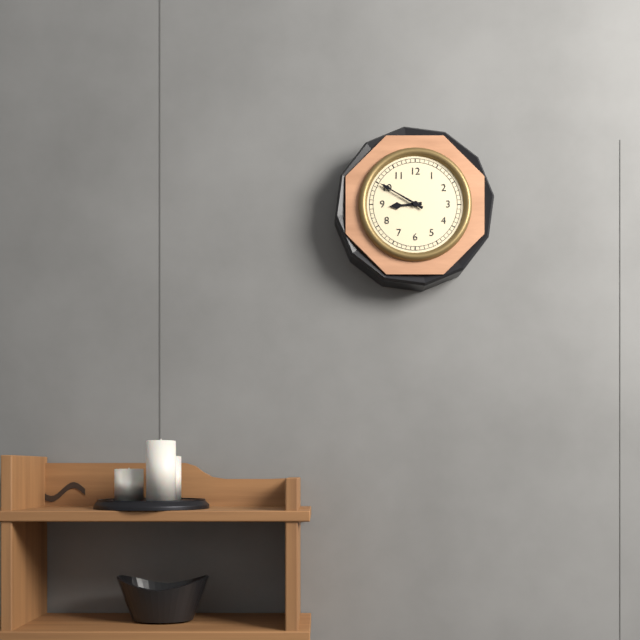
8:50
